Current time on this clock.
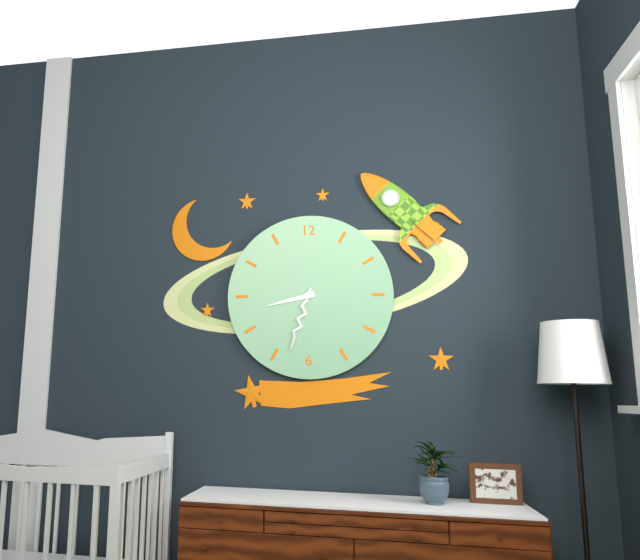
8:33
